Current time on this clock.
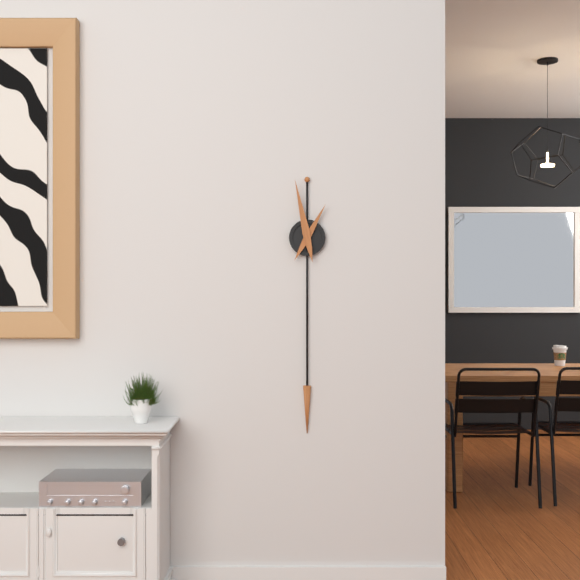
12:58
